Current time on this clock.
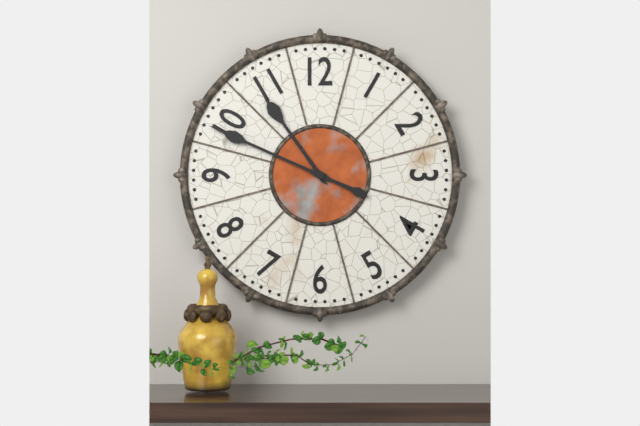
10:49
